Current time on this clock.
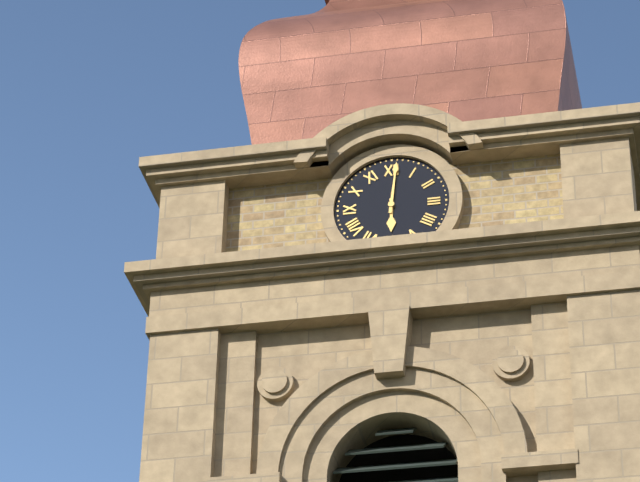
6:01
